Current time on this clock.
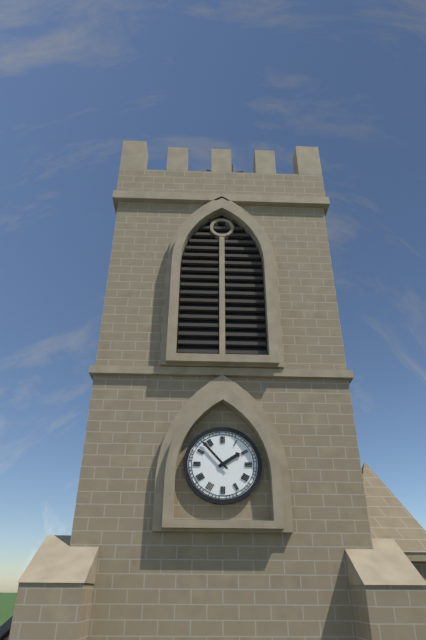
1:53
